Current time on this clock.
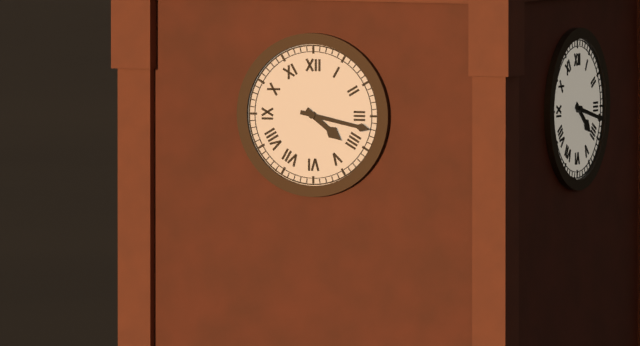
4:17
